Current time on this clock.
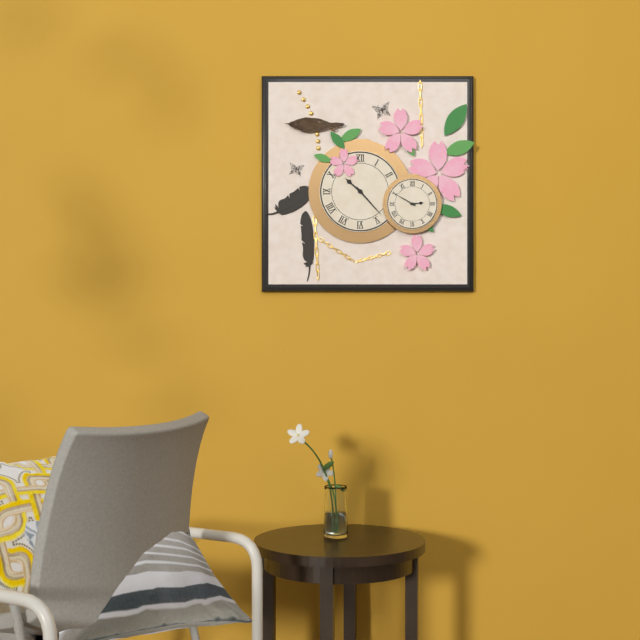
10:23
